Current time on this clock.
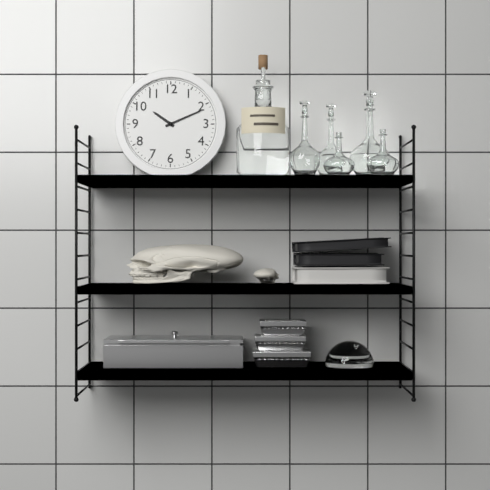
10:11
